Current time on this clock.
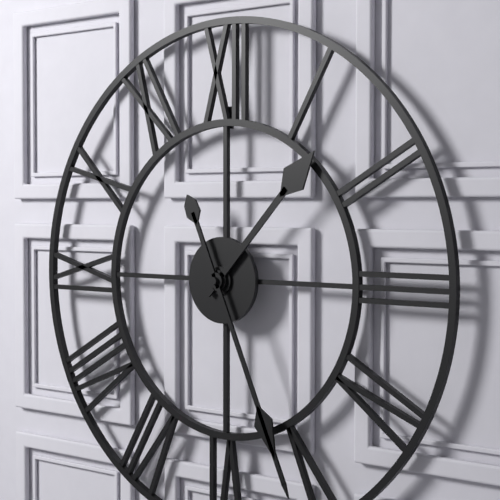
1:26
